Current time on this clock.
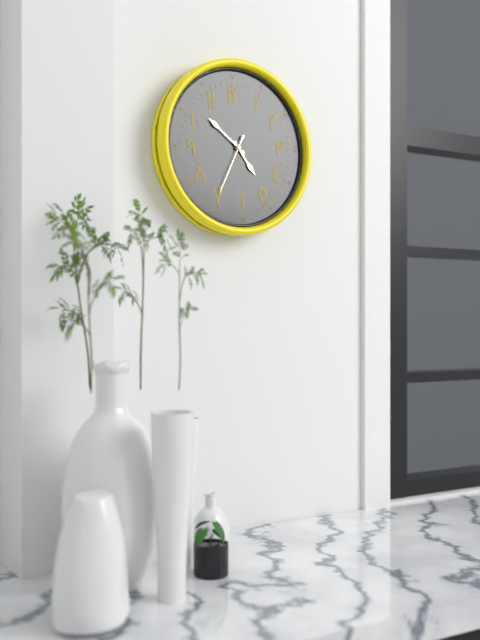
4:52:35
